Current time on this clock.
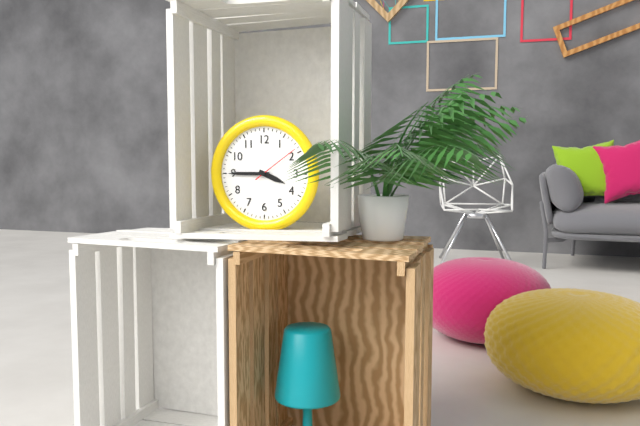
3:45
